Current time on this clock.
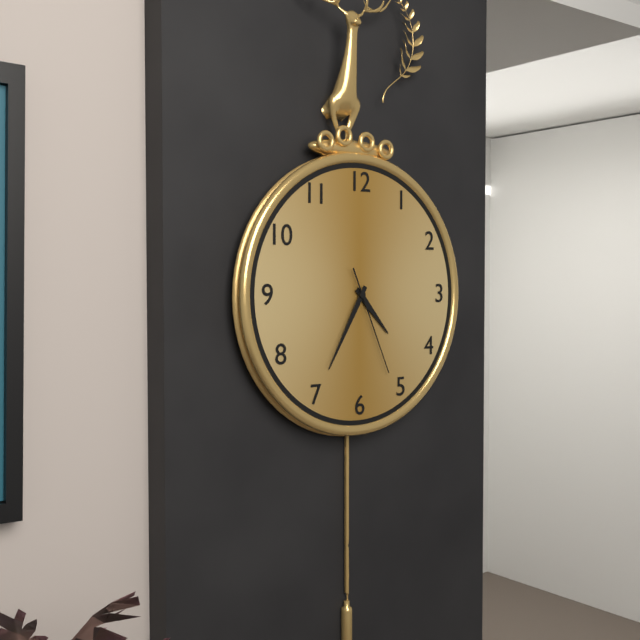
4:35:26
